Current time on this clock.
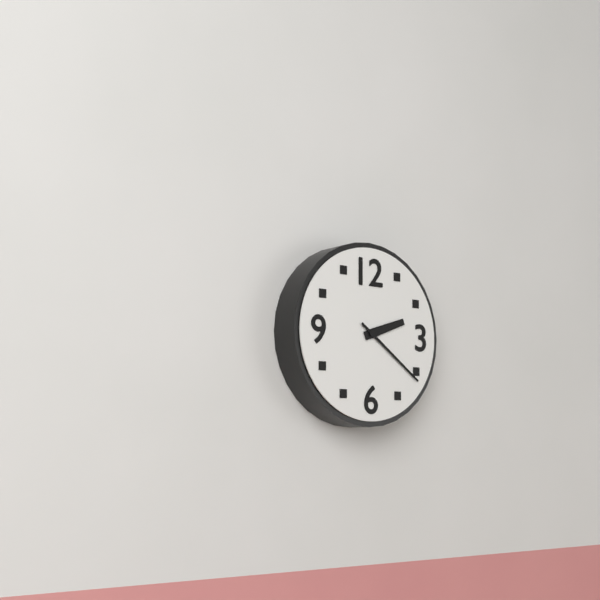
2:21
